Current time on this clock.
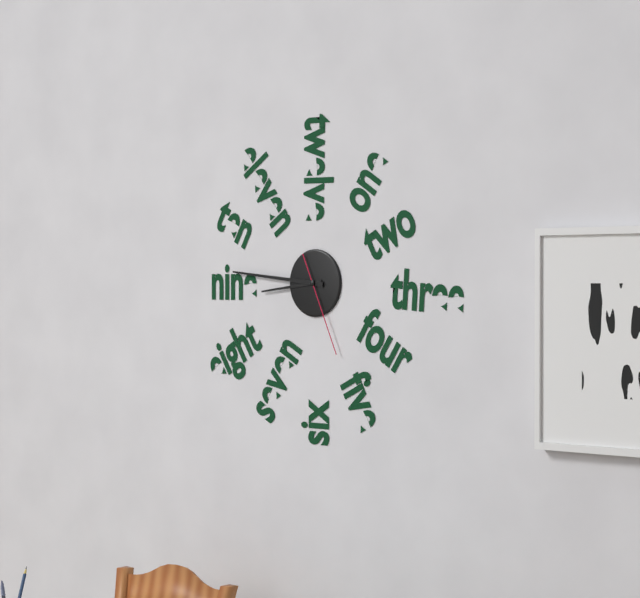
8:46:26
